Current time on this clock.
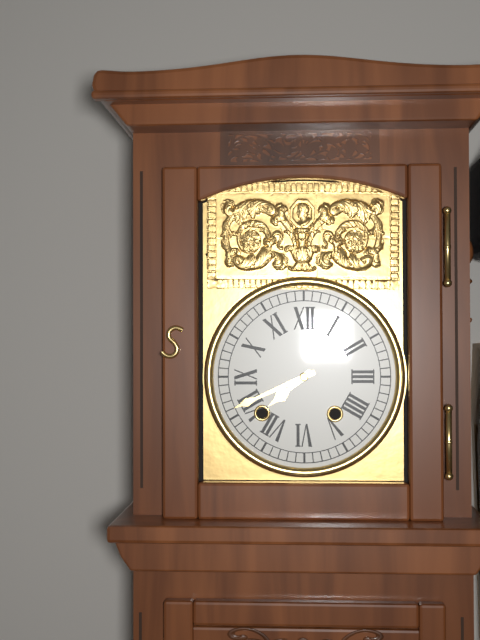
7:41
